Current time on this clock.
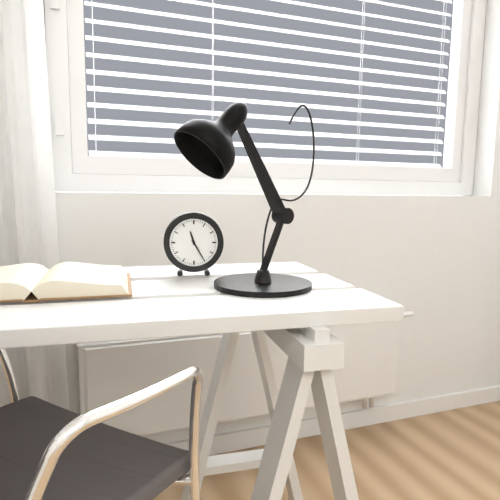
11:25
